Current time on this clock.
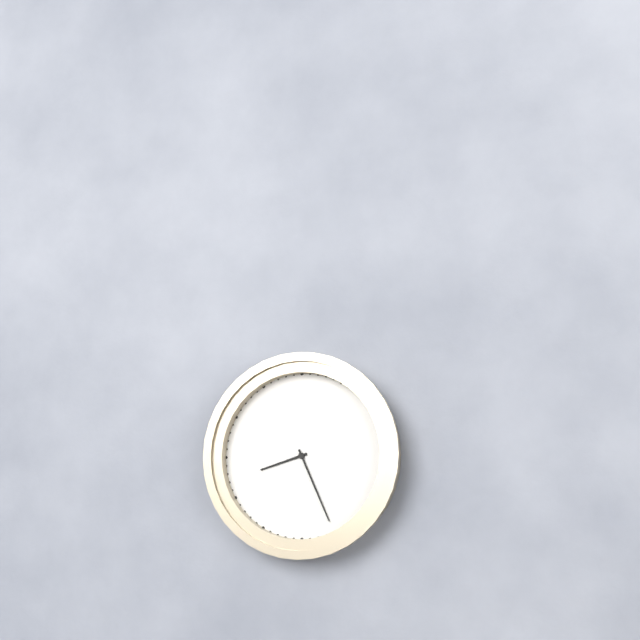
8:26
